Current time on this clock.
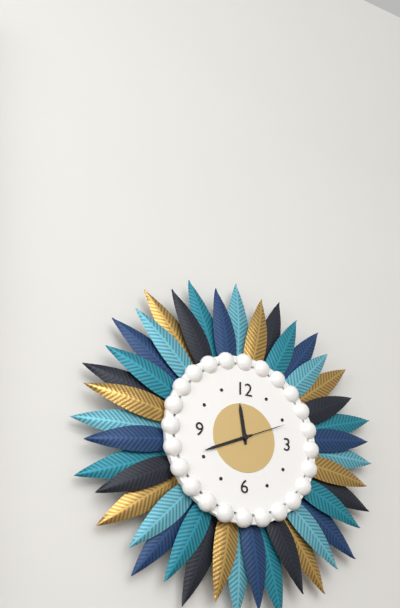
11:41:11
